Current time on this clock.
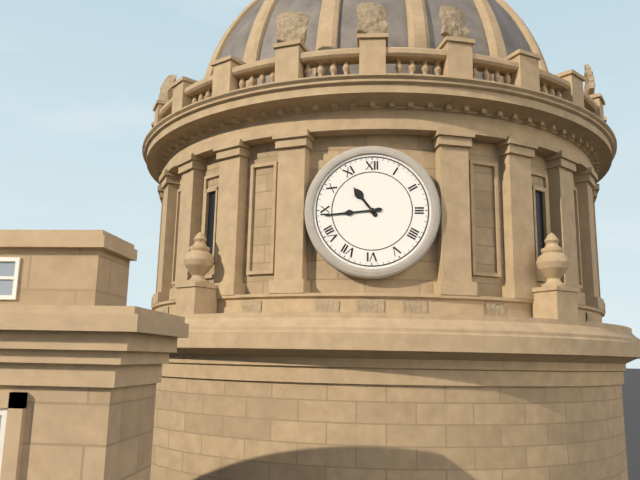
10:44
